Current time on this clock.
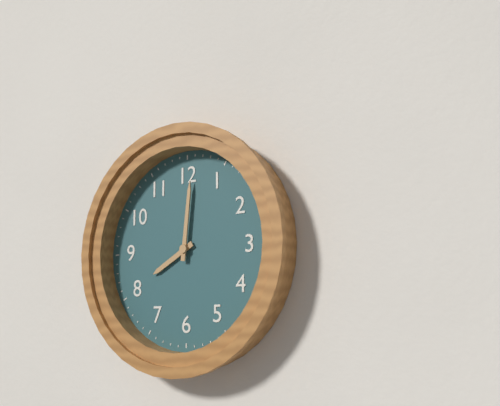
8:01
